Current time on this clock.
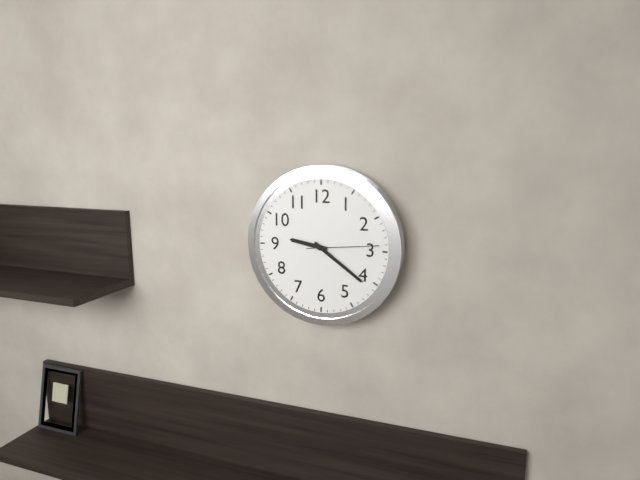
9:21:14
